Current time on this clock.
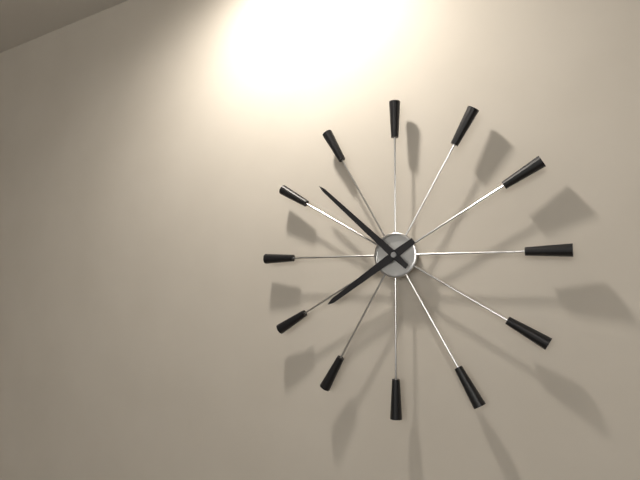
7:52
